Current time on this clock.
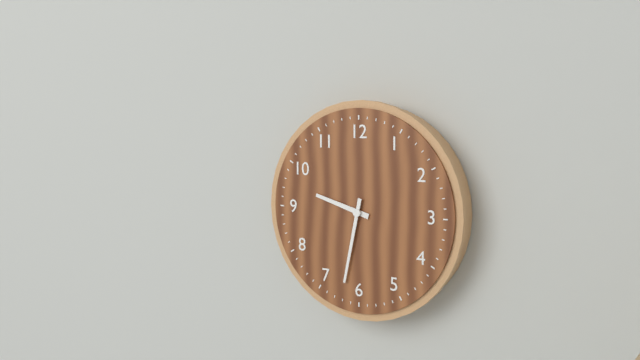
9:32
